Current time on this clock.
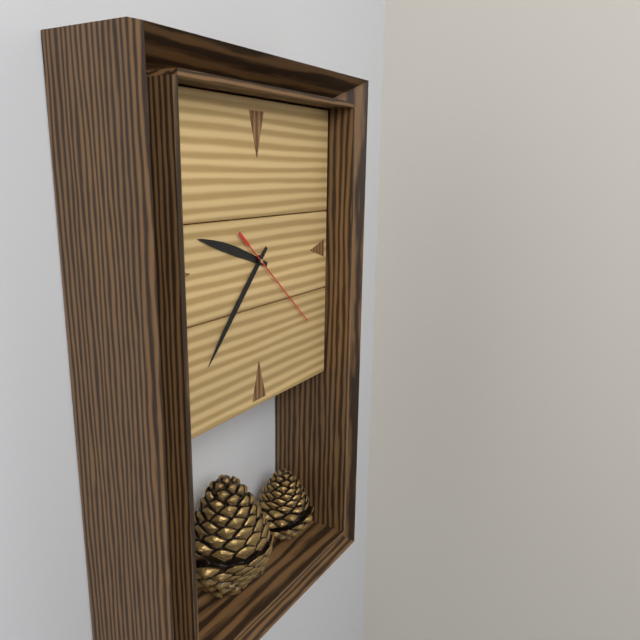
9:37:22
